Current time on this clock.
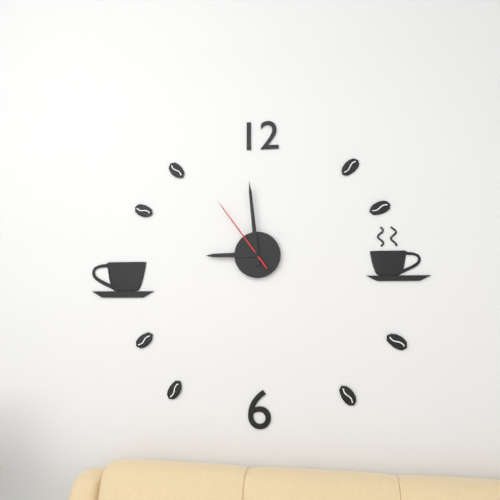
8:59:54
